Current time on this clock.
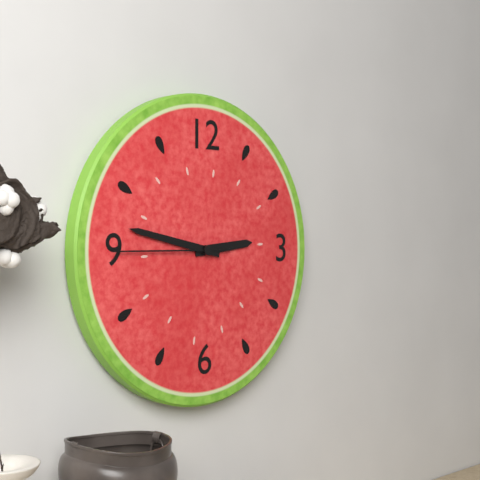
2:47:45
